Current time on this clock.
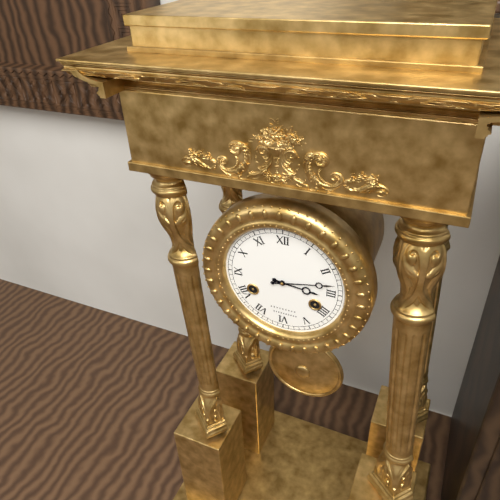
3:13
